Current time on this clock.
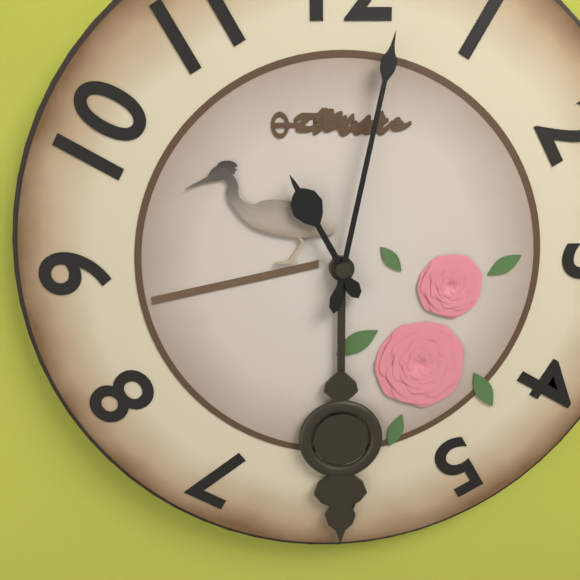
11:02
